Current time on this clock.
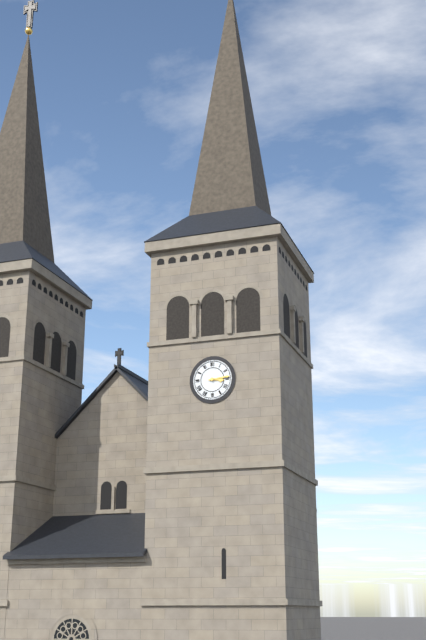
3:14
